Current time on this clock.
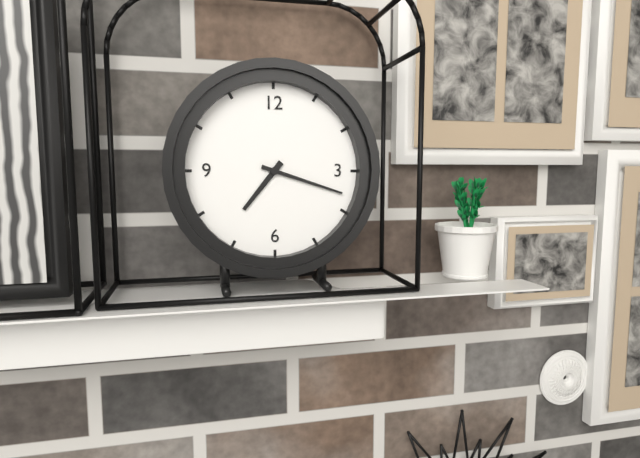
7:18
